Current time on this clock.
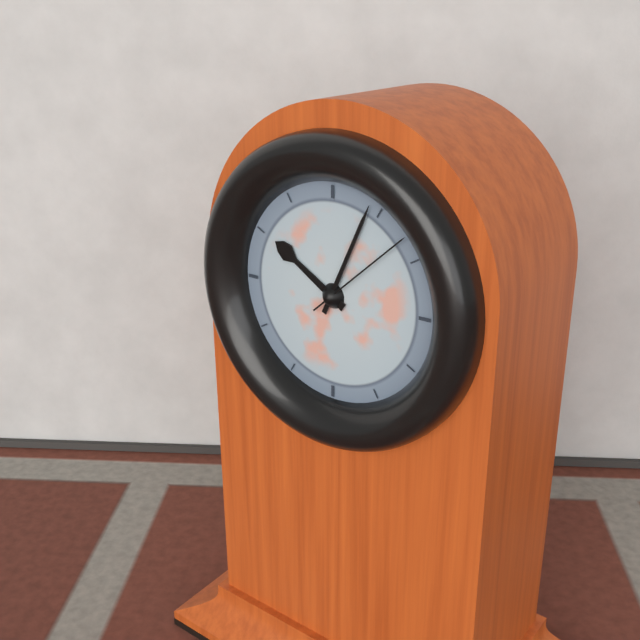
10:04:08
